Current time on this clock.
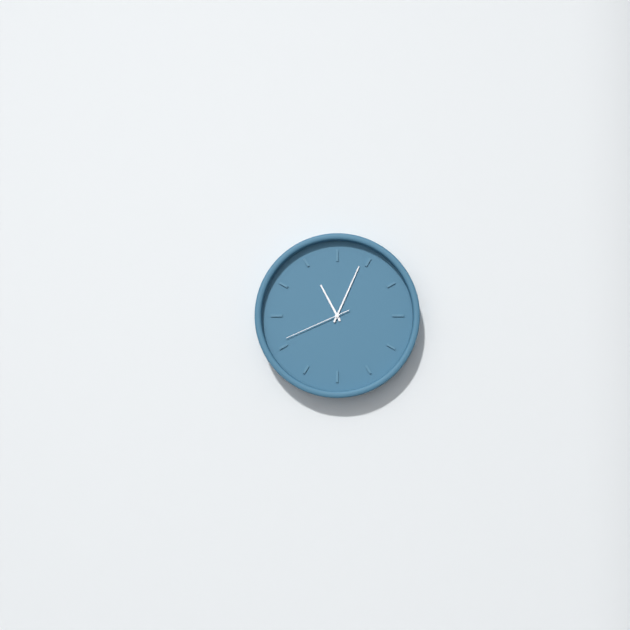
11:04:41
